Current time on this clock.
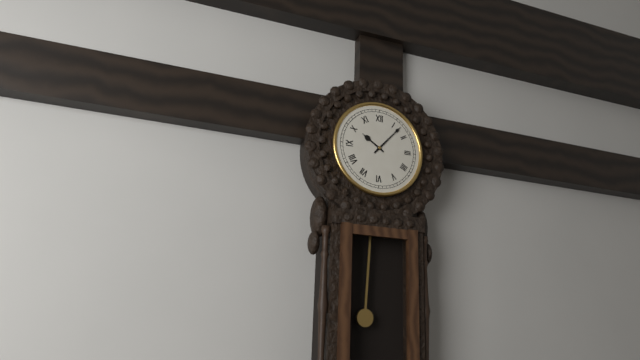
10:07
